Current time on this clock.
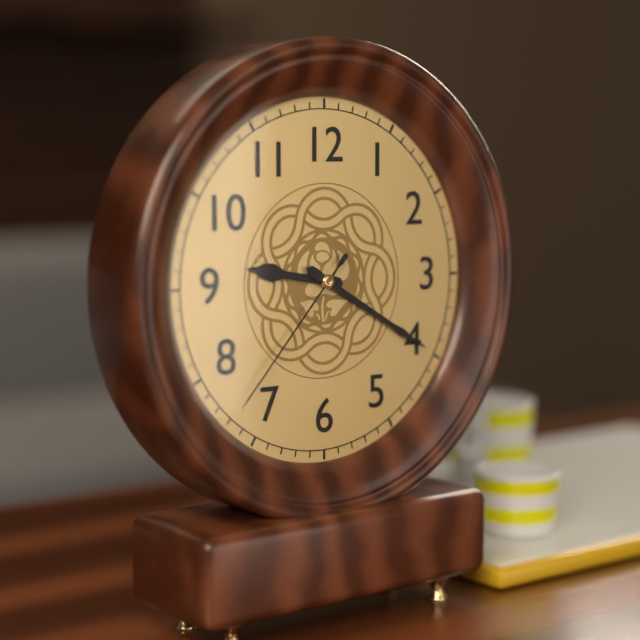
9:20:37
